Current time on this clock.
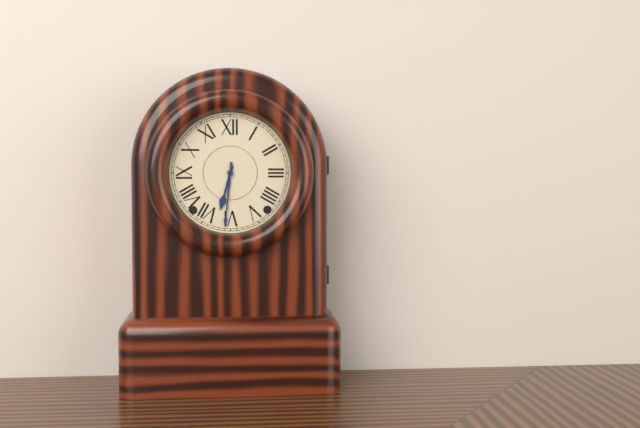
6:31
